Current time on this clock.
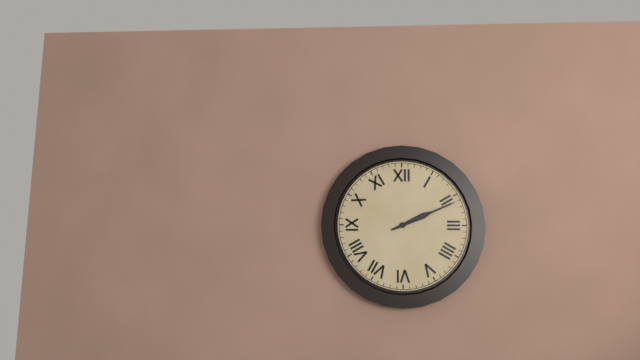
2:11
